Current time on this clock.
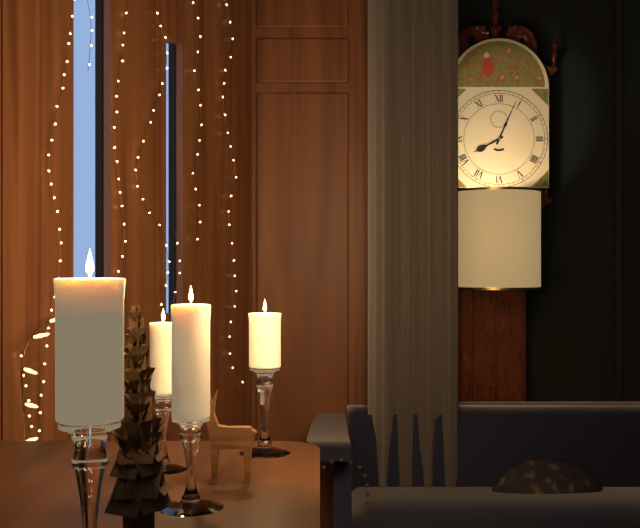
8:04
